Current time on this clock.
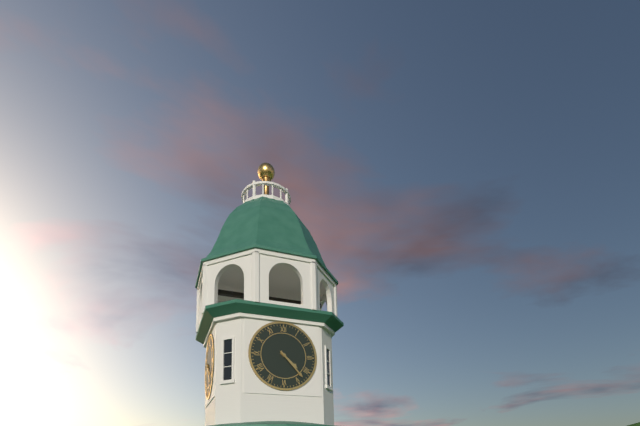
4:23
